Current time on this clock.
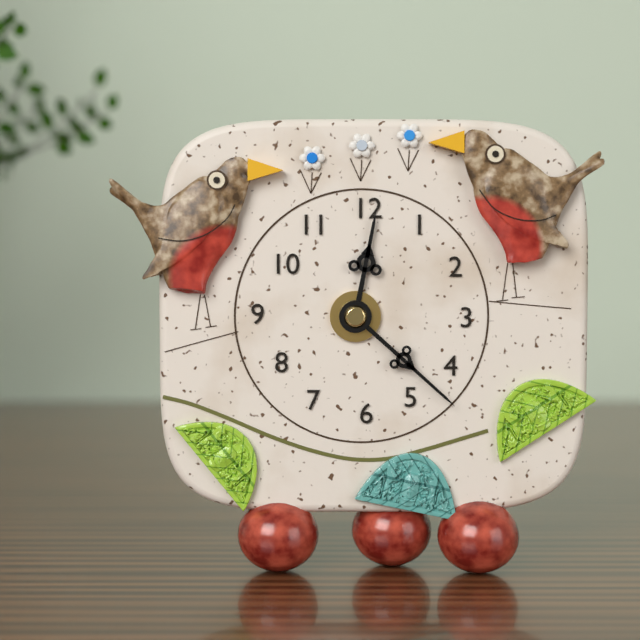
12:22
